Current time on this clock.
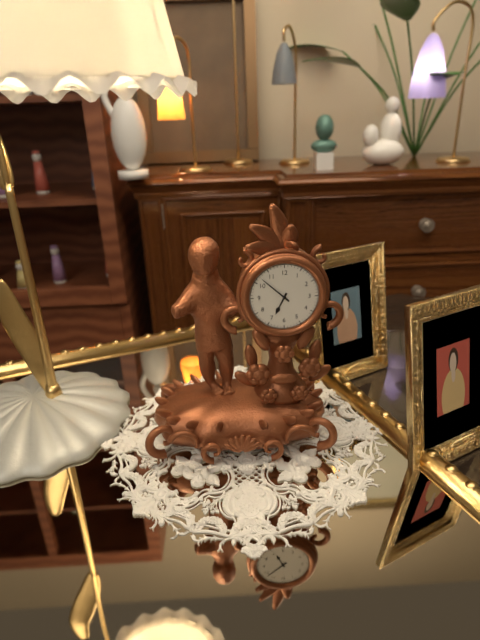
6:52
